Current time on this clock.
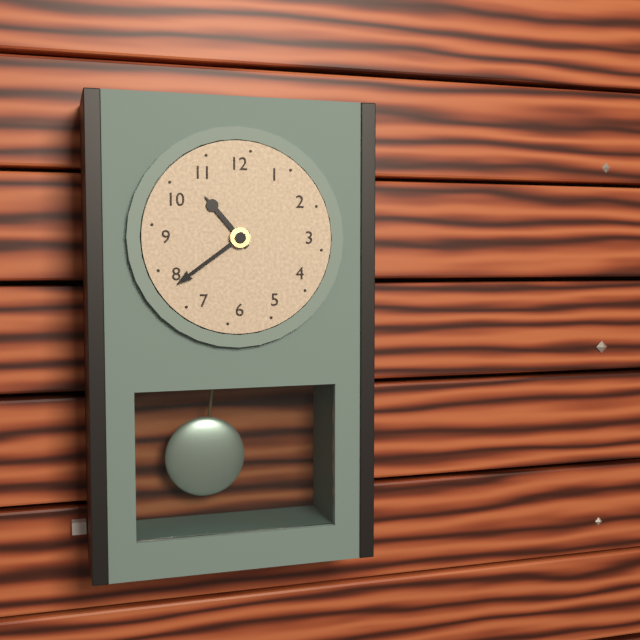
10:39
